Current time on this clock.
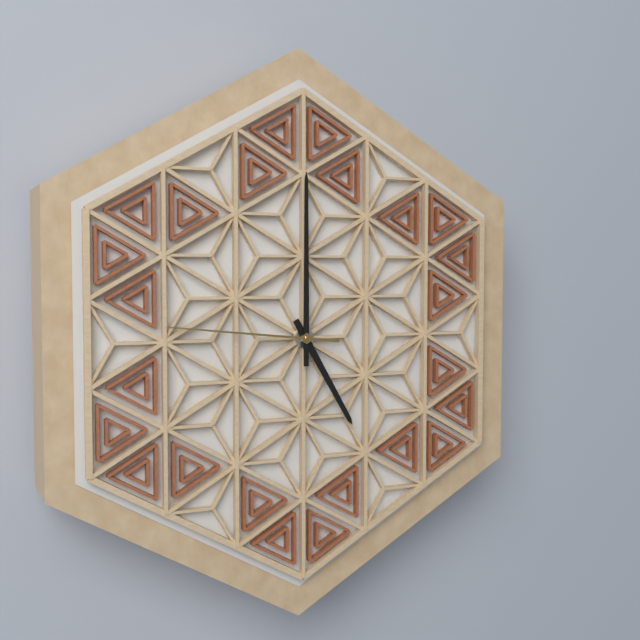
5:00:46
